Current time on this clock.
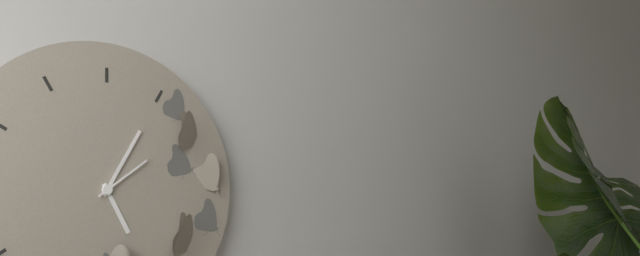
5:05:09
